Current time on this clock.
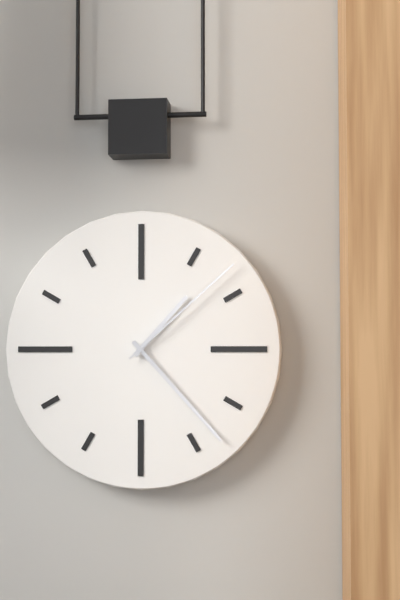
1:23:08
